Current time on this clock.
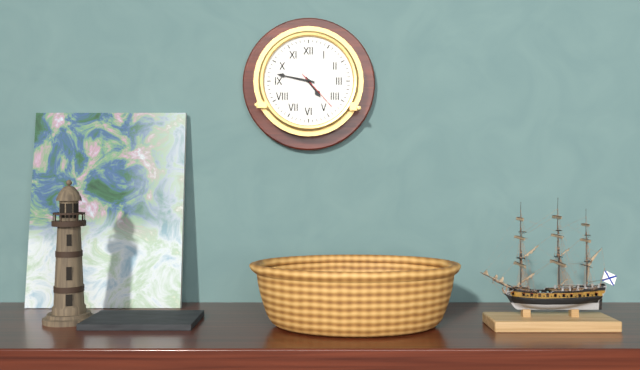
4:47
